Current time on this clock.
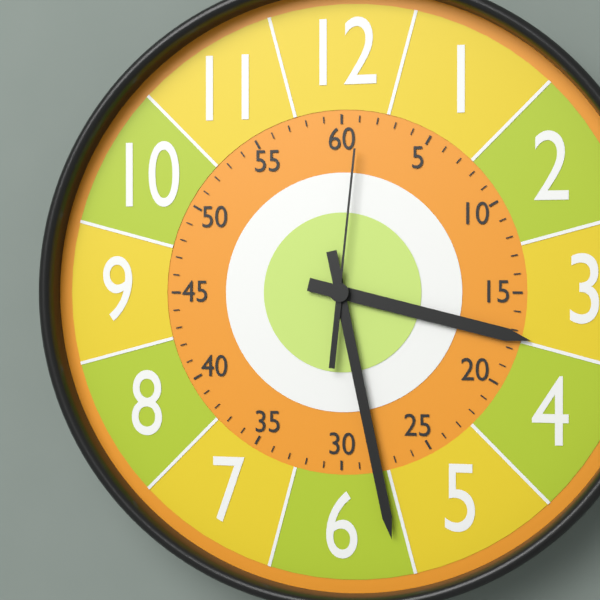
3:28:01
